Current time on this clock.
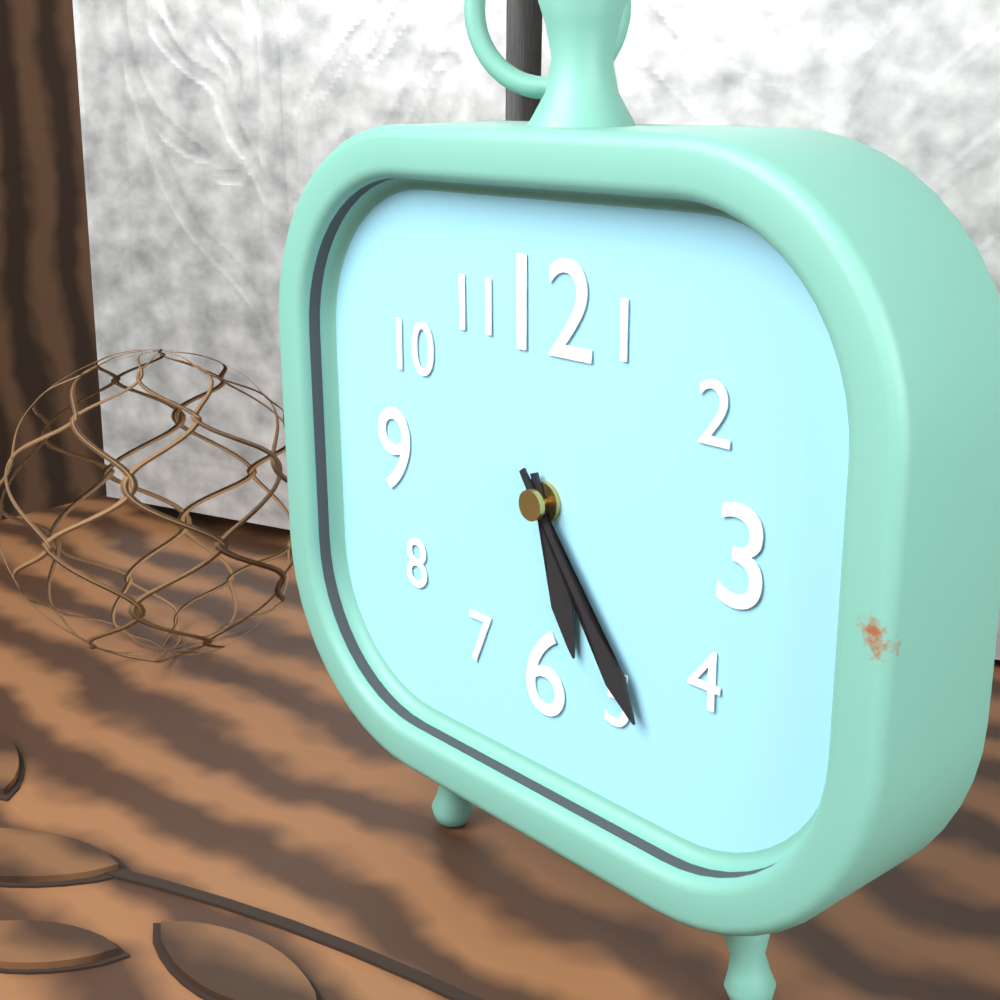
5:24
